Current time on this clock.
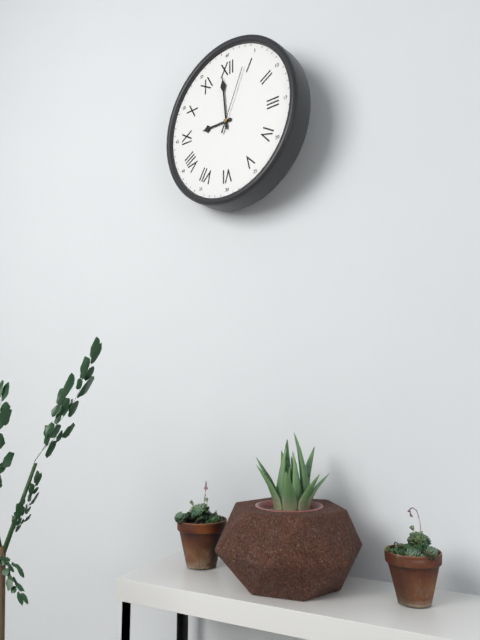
8:59:04
